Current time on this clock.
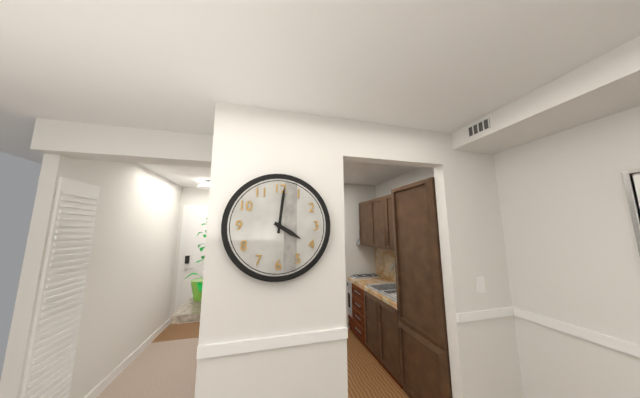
4:01
